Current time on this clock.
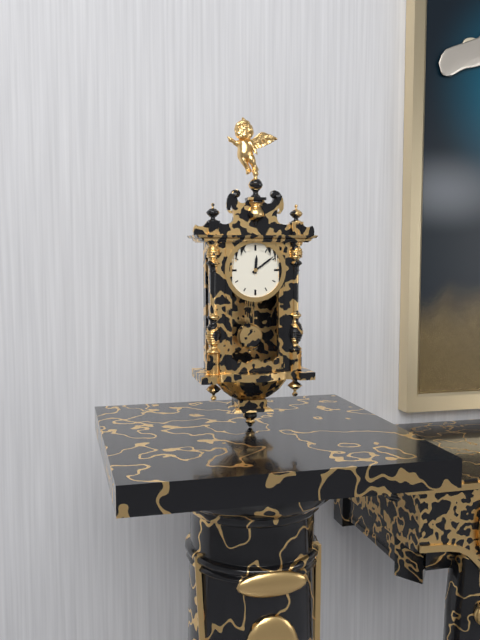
12:09
